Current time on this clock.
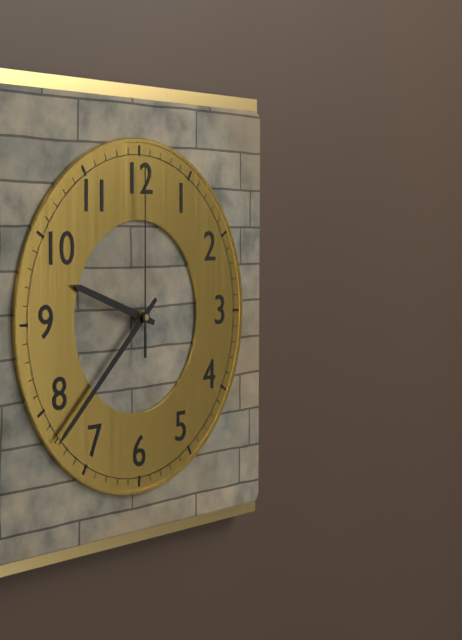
9:38:00
